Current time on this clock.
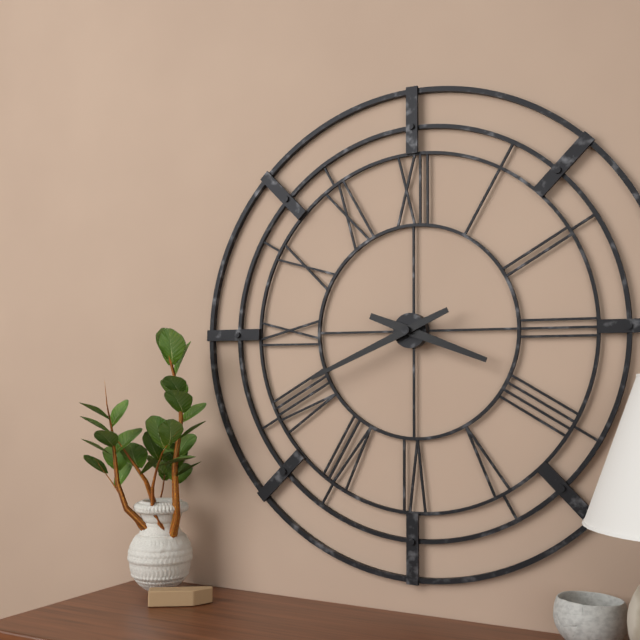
3:41
